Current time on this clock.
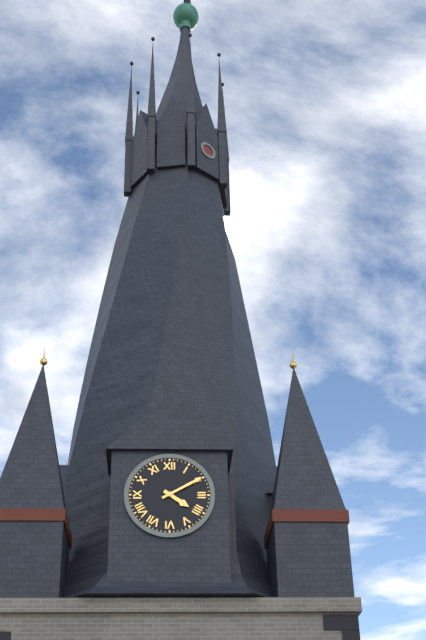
4:10
